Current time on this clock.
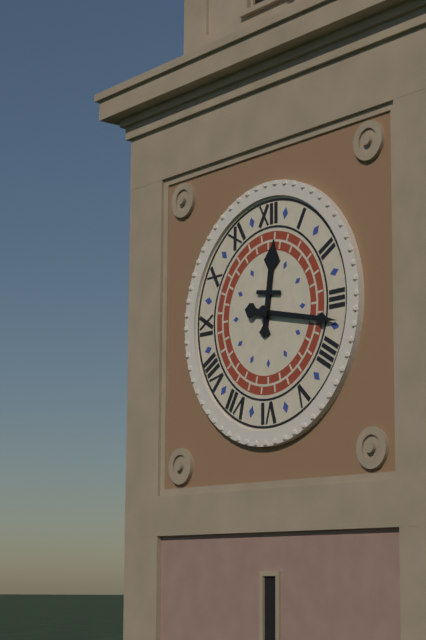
12:17
